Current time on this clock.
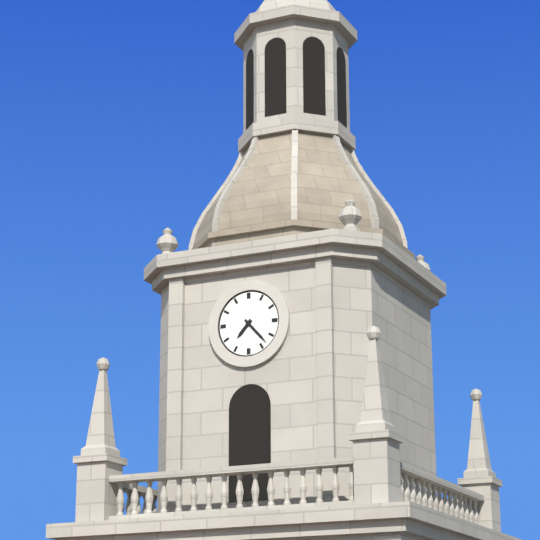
7:23
